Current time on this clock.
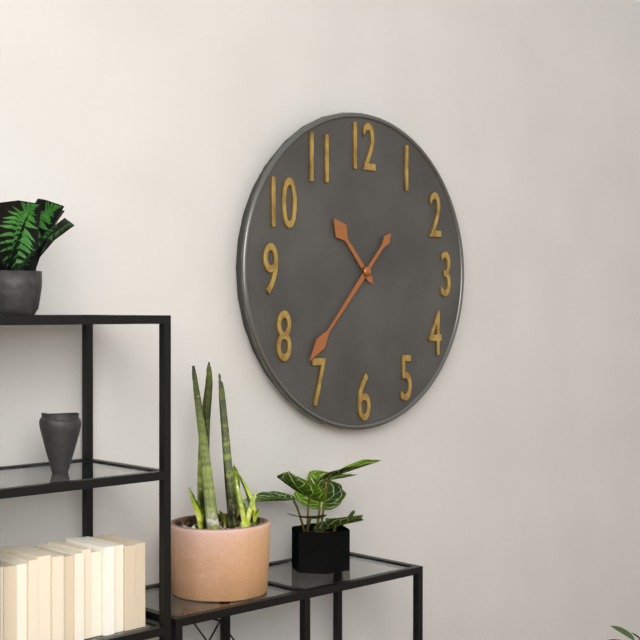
10:37
